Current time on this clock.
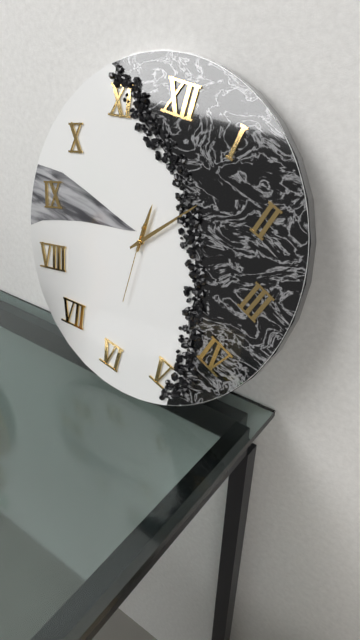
12:07:30
